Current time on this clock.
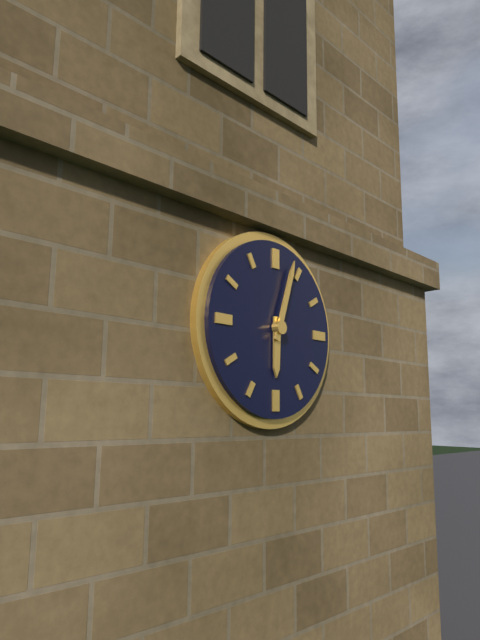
6:03
